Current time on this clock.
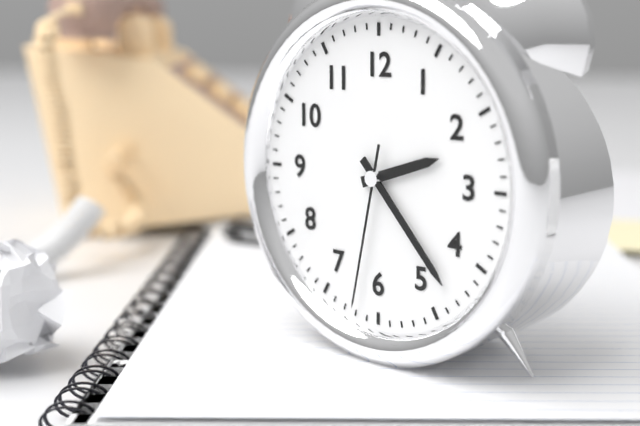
2:23:32
